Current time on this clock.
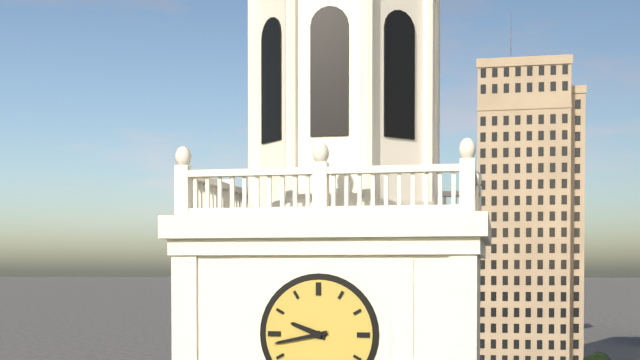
9:43
